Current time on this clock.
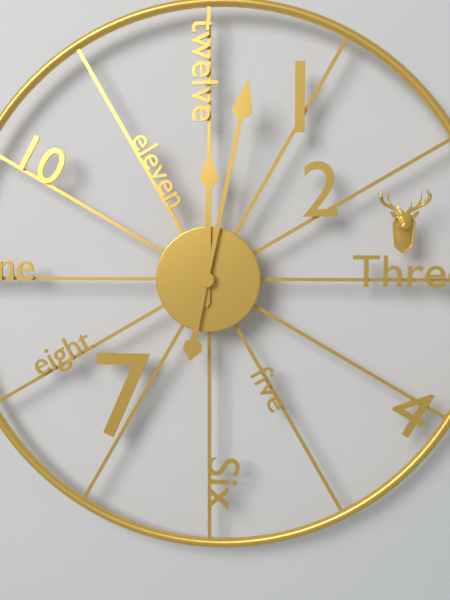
12:02
